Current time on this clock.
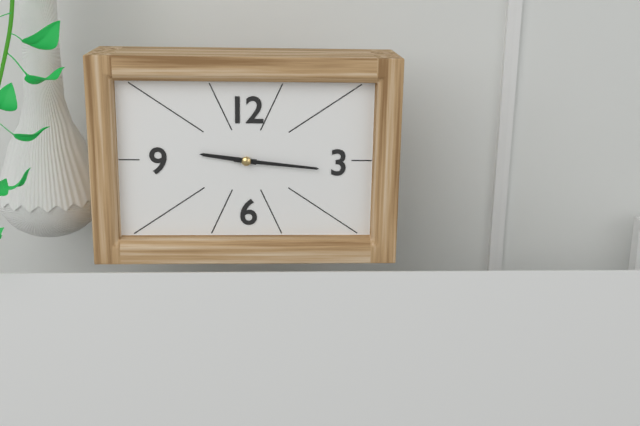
9:16
